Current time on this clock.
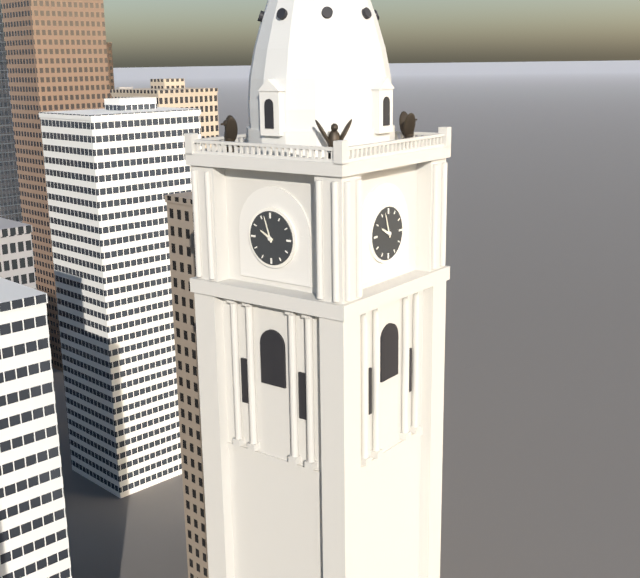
9:57
